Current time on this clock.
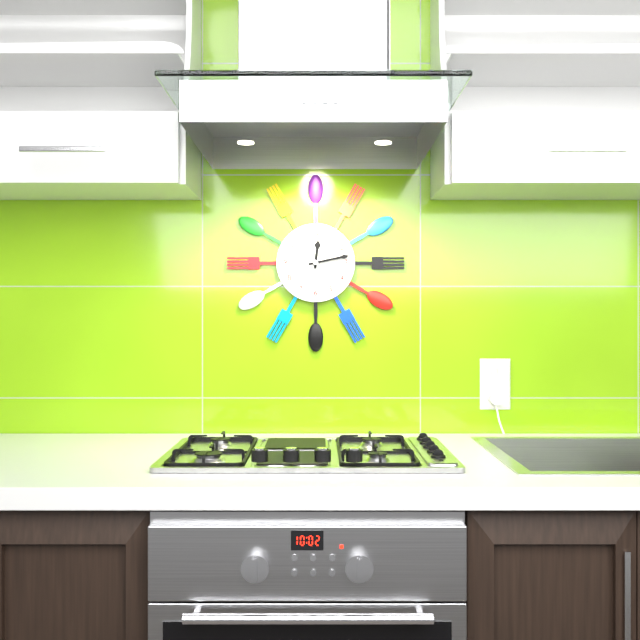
12:13
